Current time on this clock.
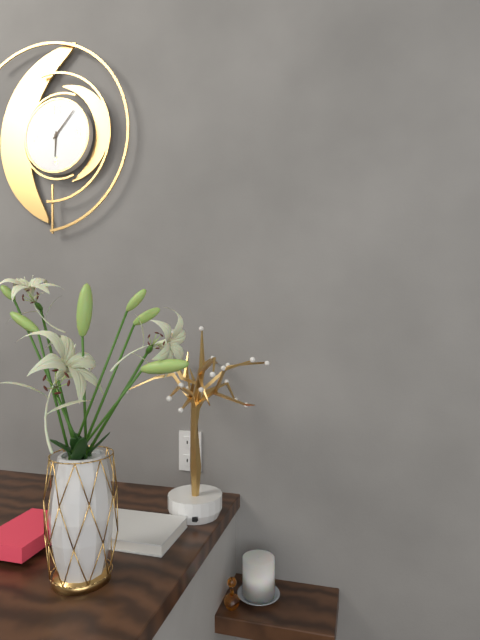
6:07
